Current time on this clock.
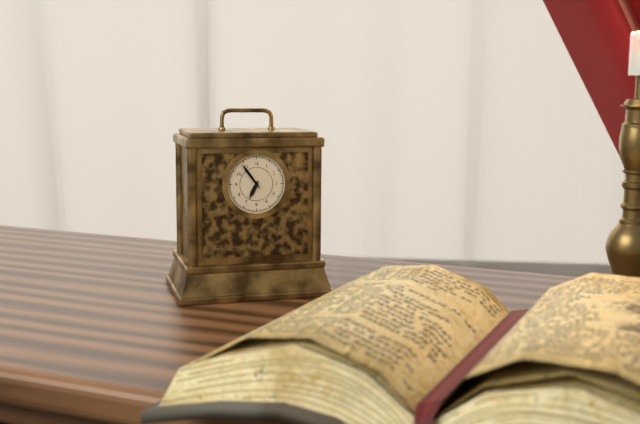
6:54
